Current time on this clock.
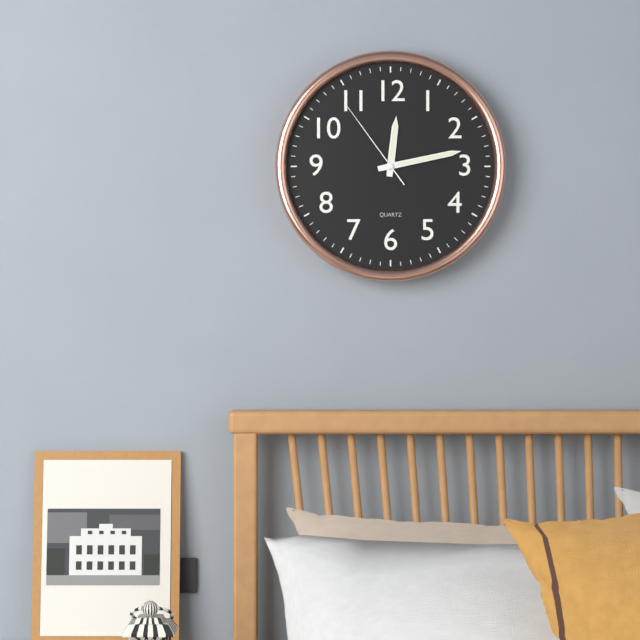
12:13:54
